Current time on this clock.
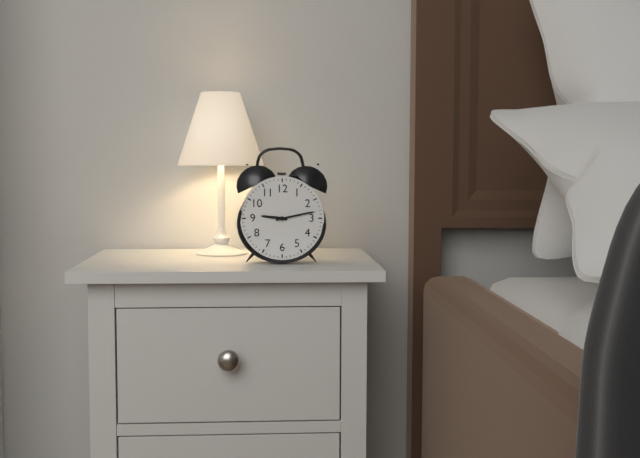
9:13
